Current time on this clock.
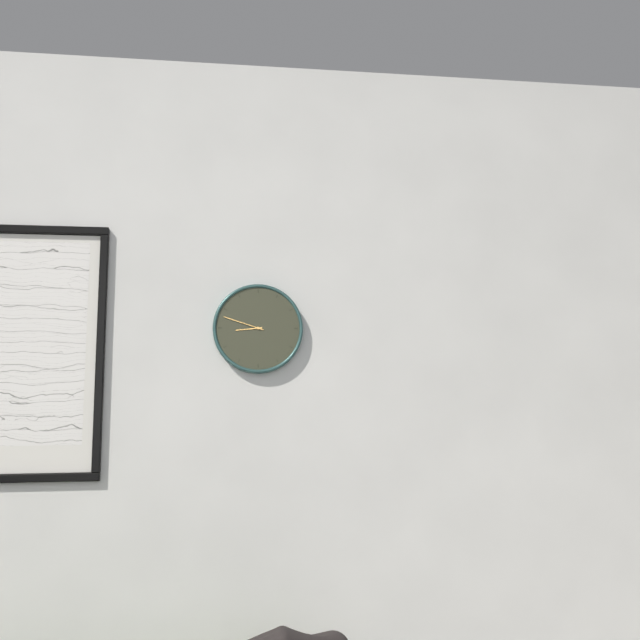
8:48
